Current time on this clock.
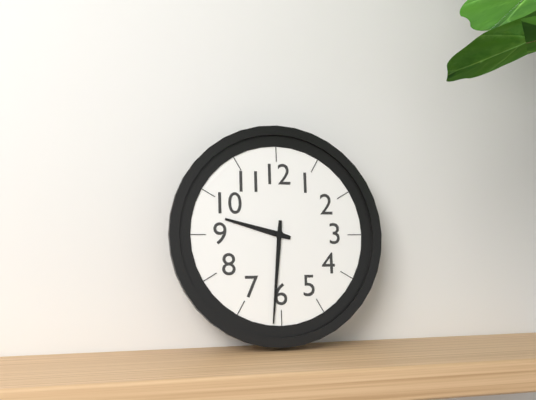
9:31
